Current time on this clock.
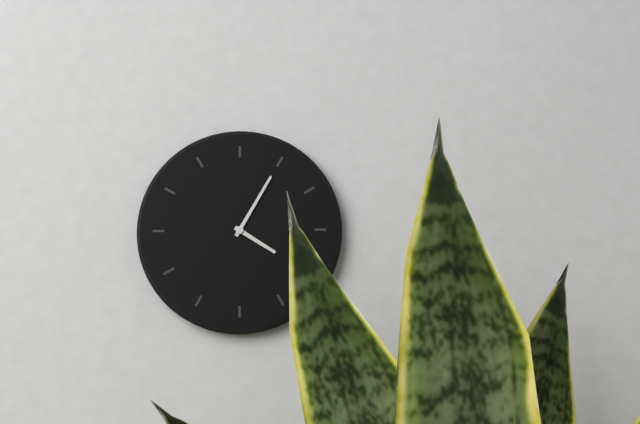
4:05
